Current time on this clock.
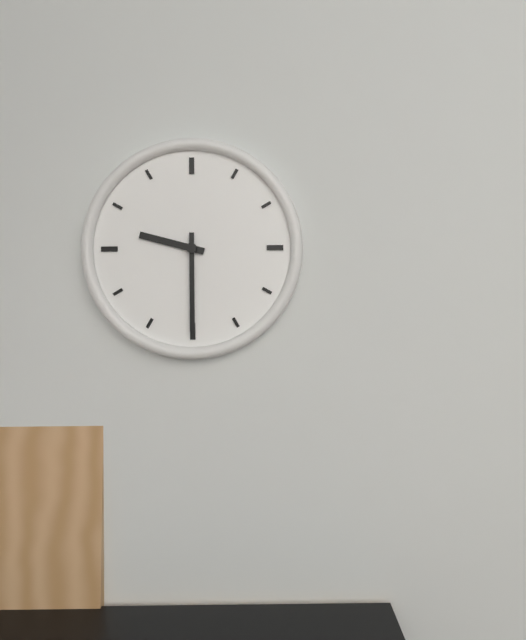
9:30
